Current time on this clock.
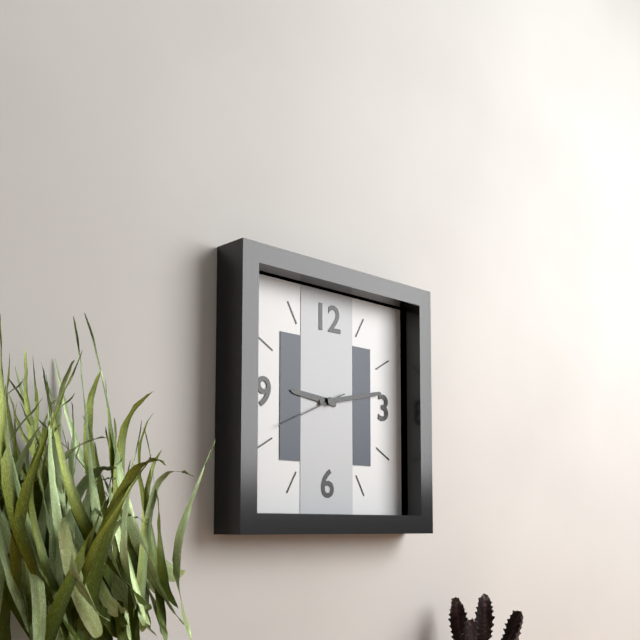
9:13:41
